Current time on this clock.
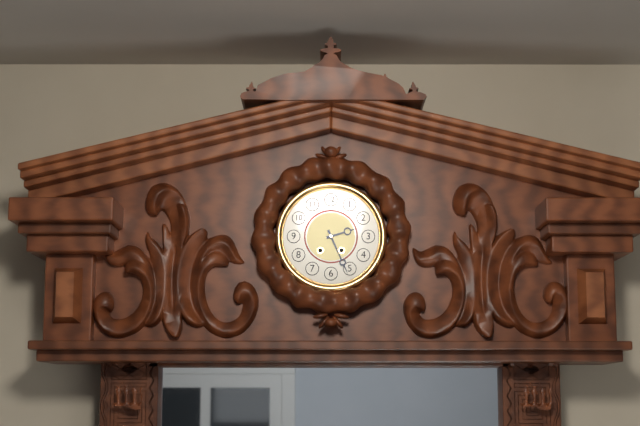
2:26
